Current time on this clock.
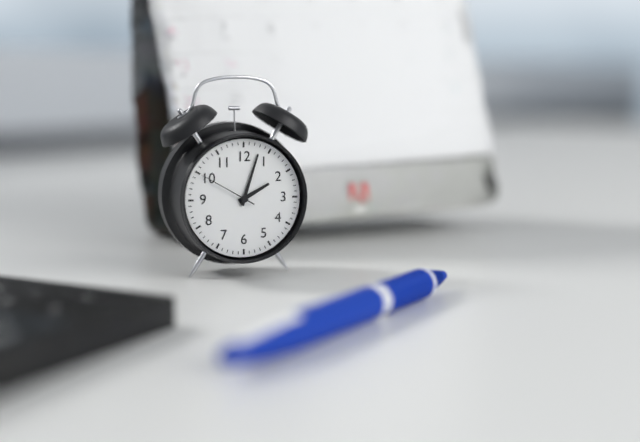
2:03:50
